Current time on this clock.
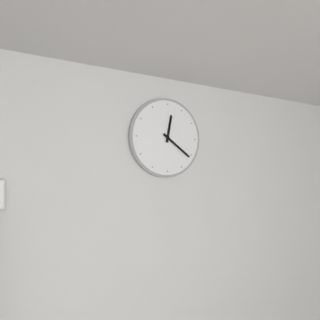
12:21
